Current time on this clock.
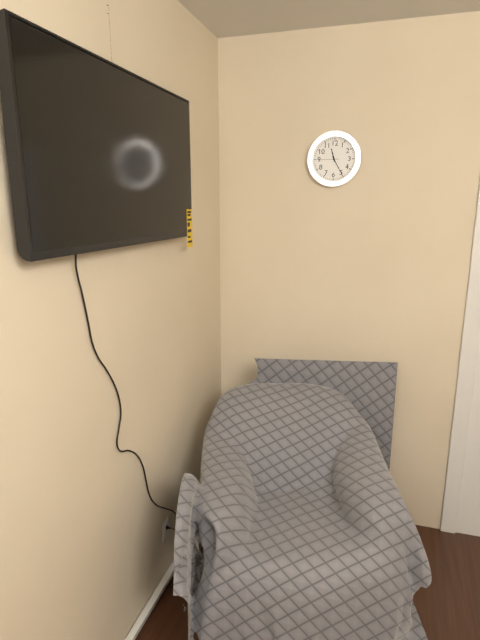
11:25
